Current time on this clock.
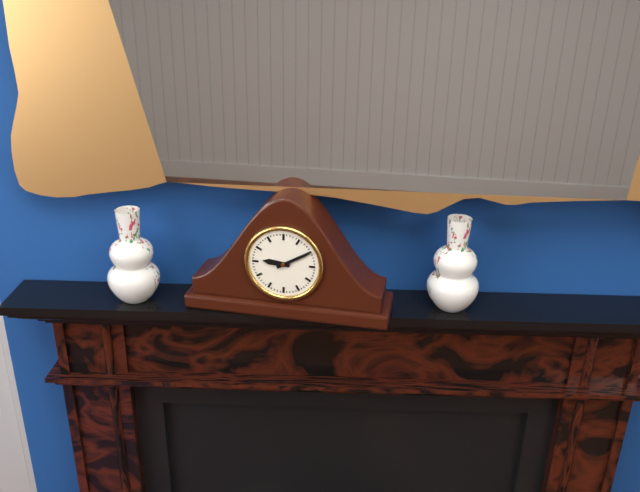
9:10
